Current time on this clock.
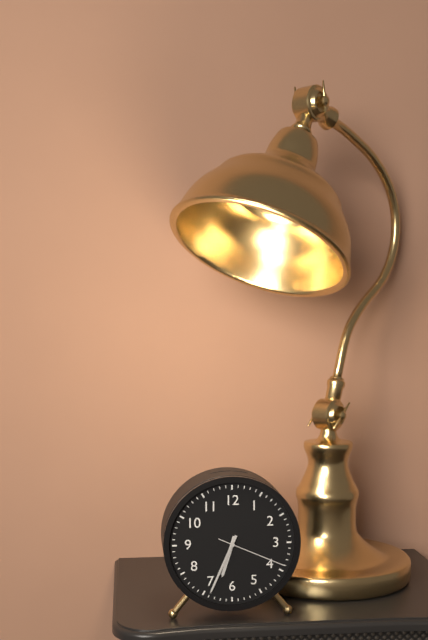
6:34:19
